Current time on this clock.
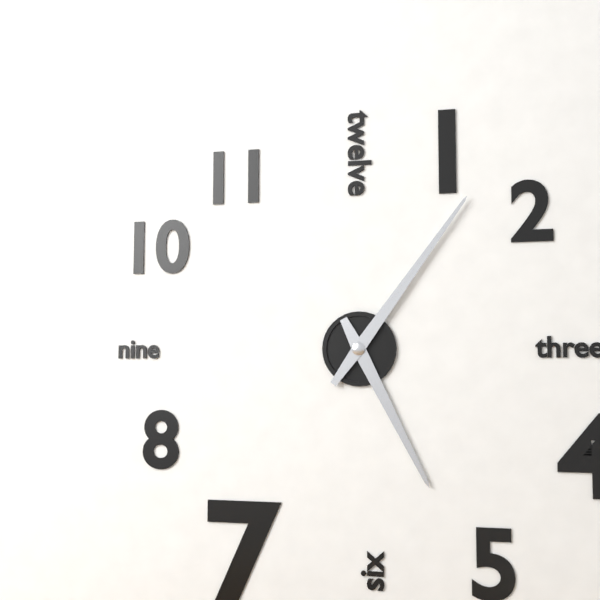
5:06
